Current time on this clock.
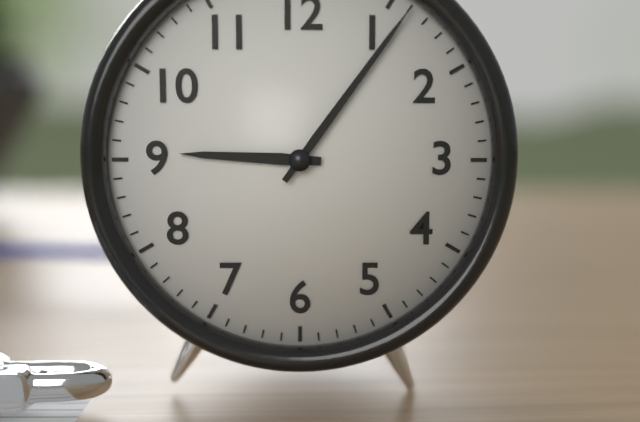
9:06
